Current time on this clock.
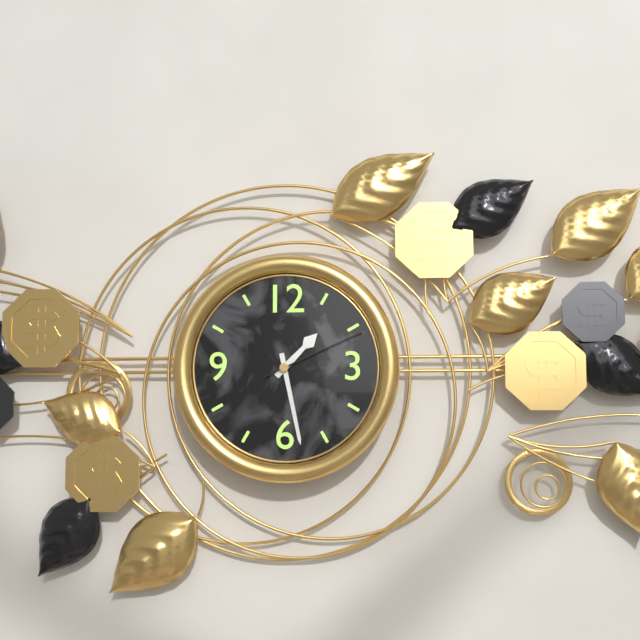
1:28:11
